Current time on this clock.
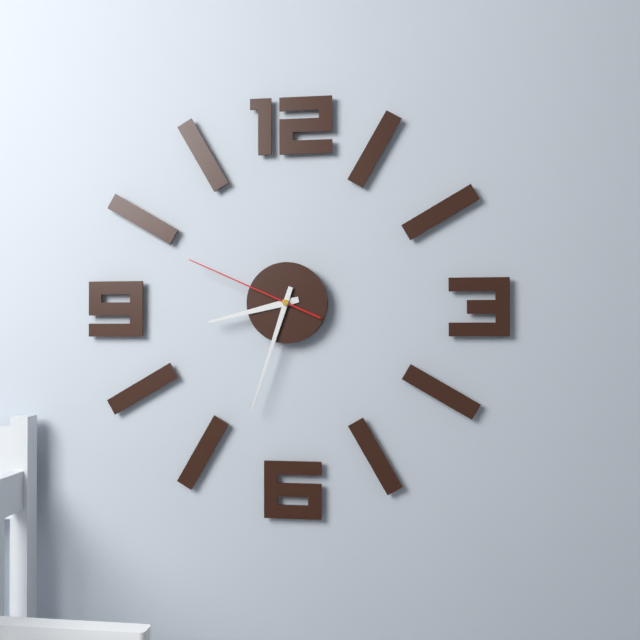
8:33:49
